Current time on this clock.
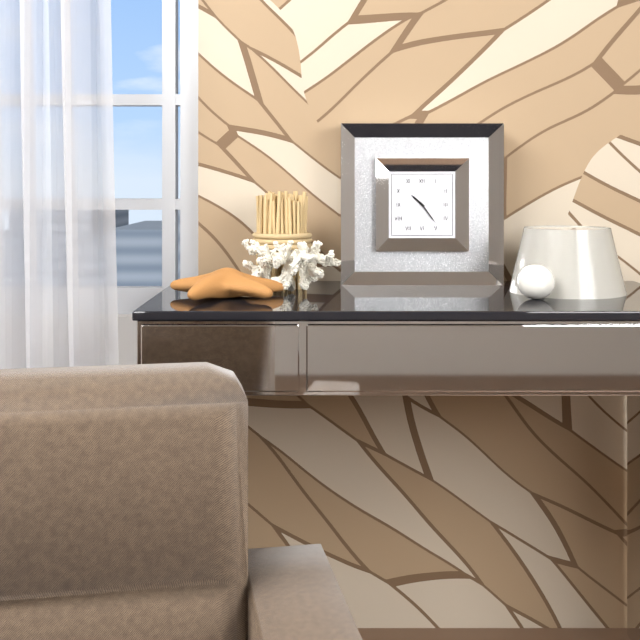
10:24
